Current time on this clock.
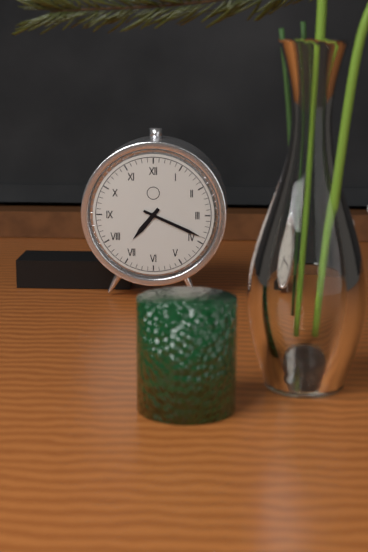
7:19
